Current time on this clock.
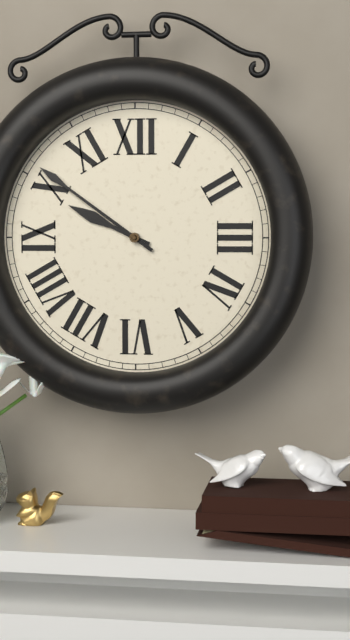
9:51
